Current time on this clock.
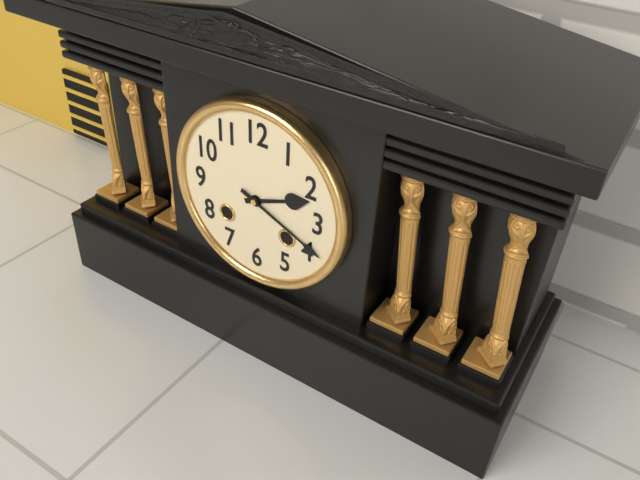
2:19
